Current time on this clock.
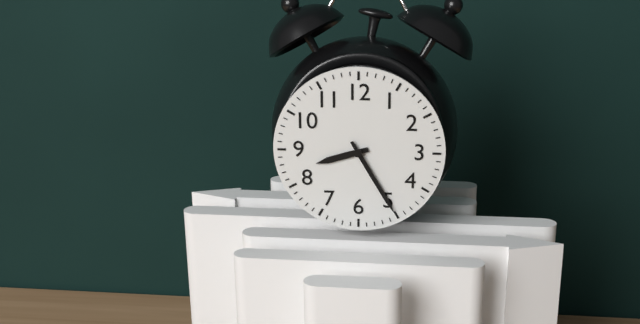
8:25
